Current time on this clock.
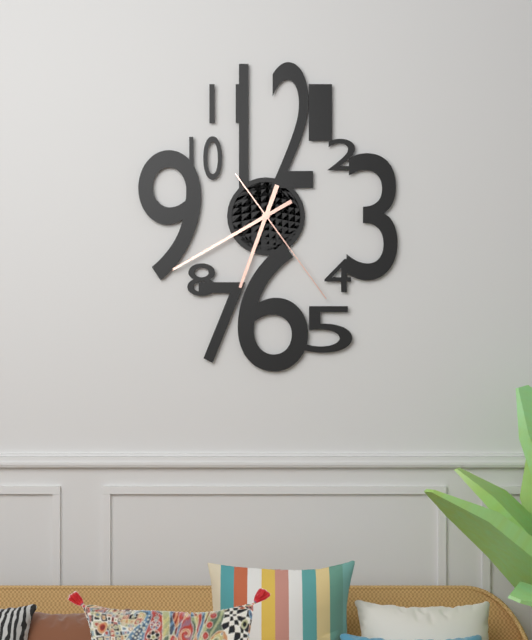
6:40:24
